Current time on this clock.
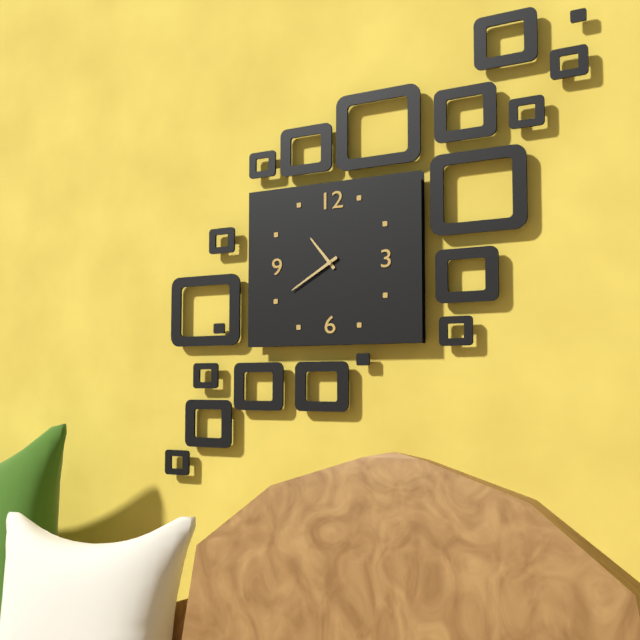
10:40
